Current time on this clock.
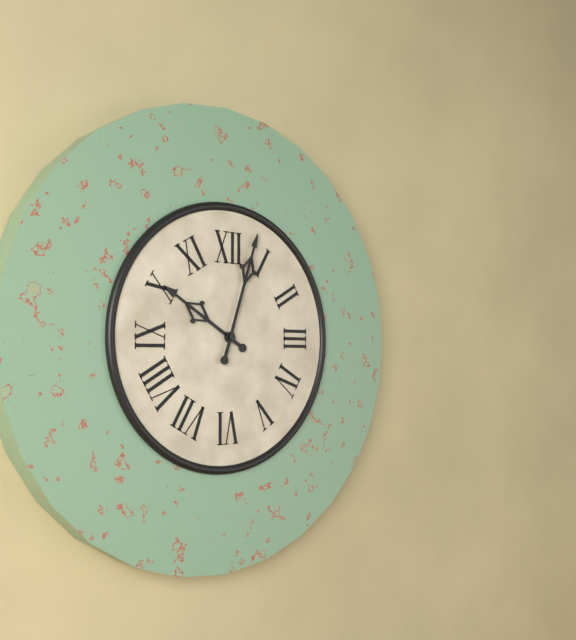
10:03
